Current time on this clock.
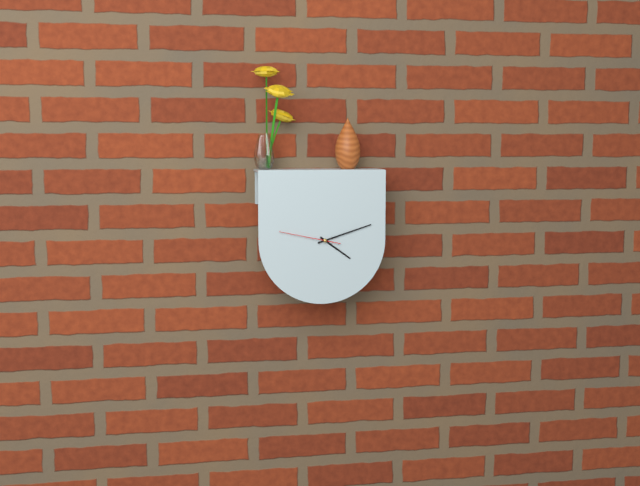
4:12:47
